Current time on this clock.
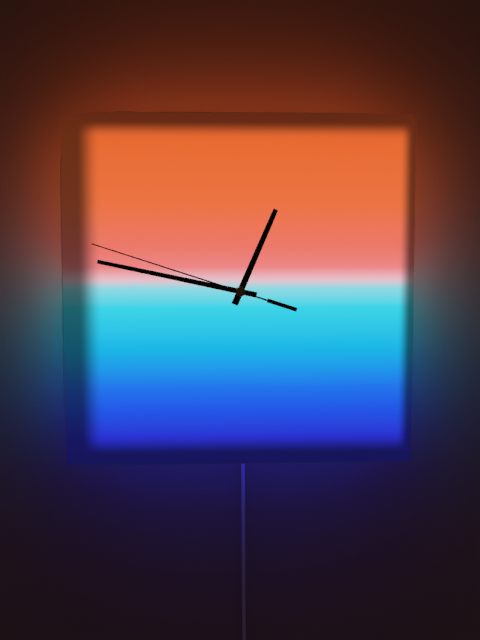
12:47:48
